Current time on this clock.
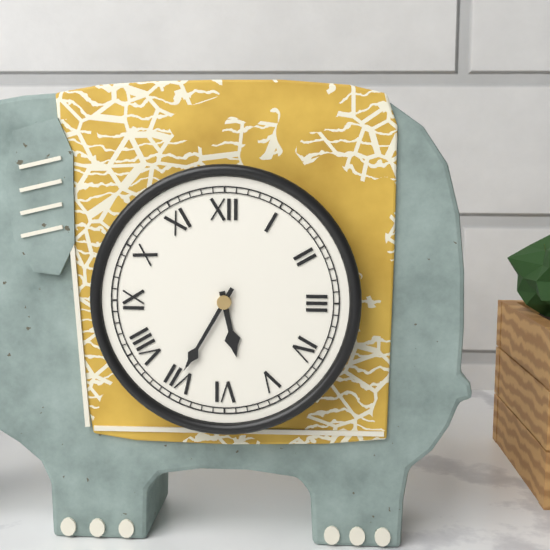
5:35
